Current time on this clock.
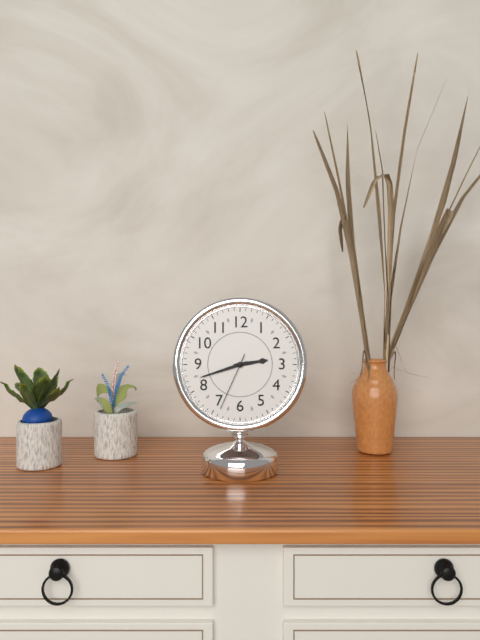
2:42:34
